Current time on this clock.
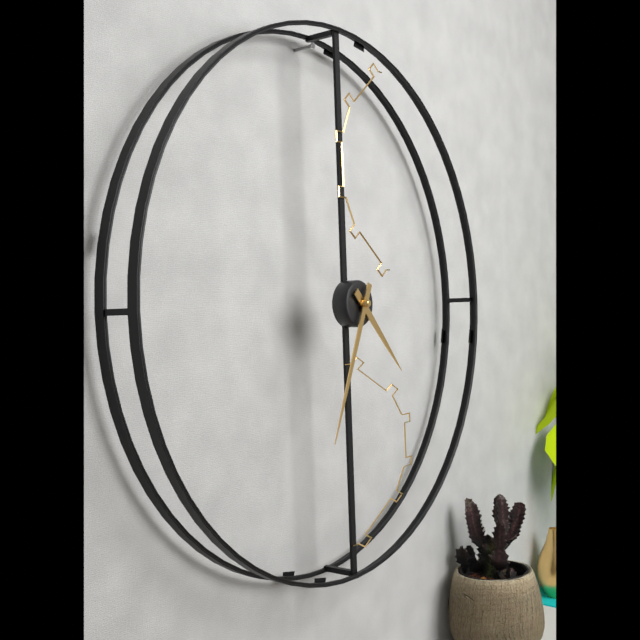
4:34
